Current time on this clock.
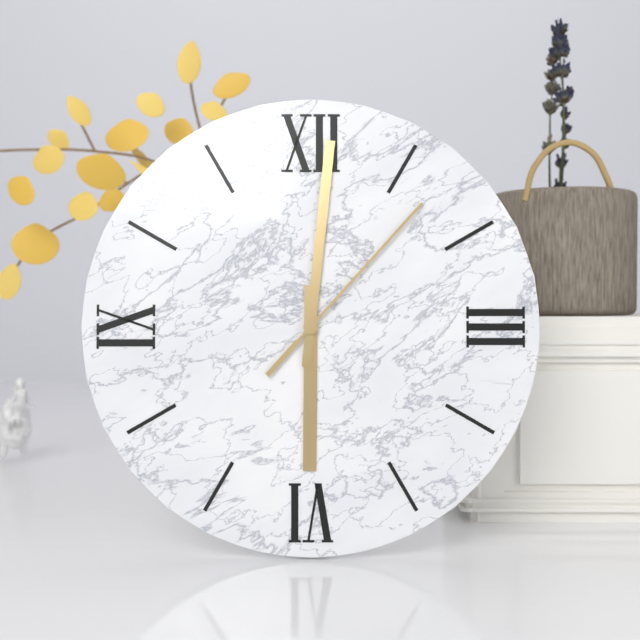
6:01:07
